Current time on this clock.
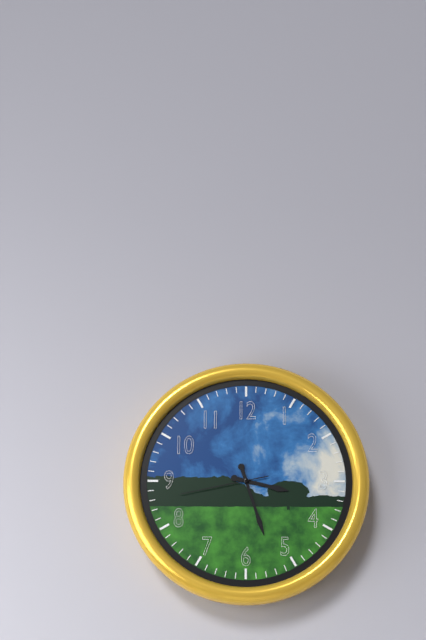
3:27:43
